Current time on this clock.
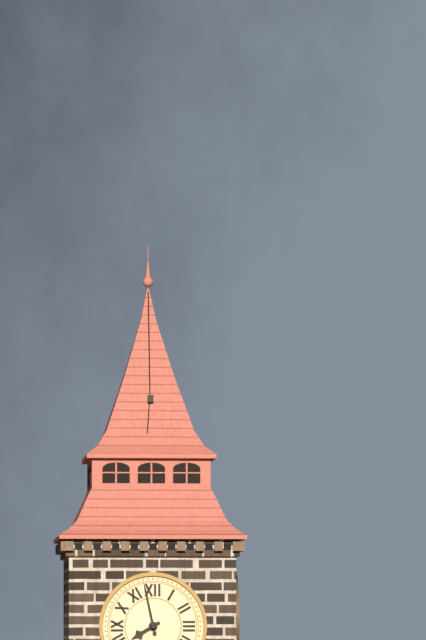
7:58
